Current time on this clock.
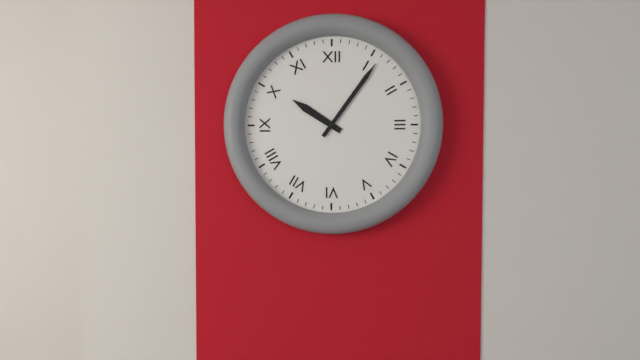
10:06
